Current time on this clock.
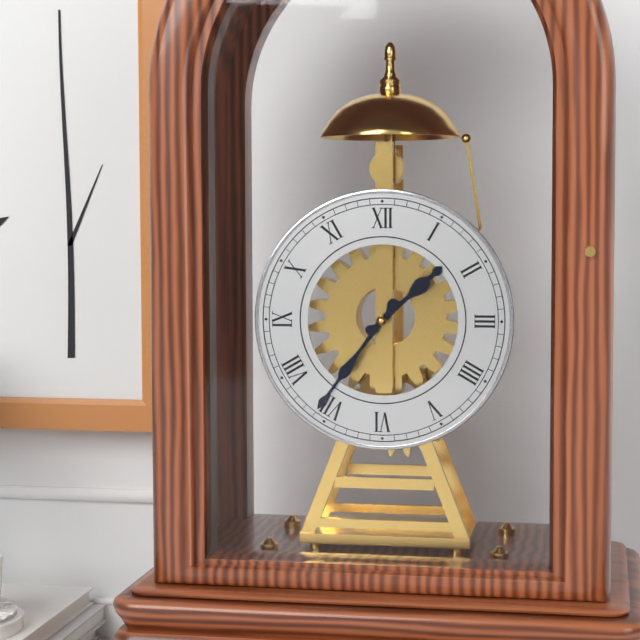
1:36
